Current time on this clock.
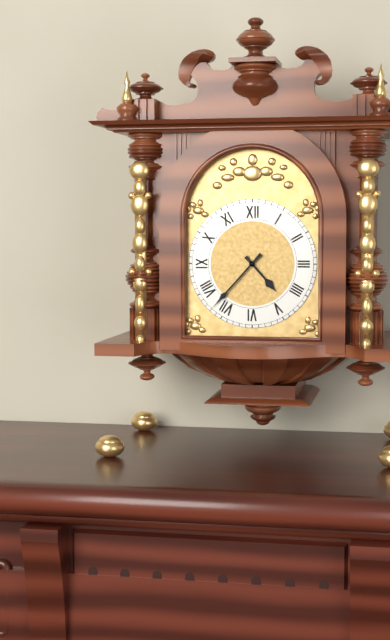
4:37
